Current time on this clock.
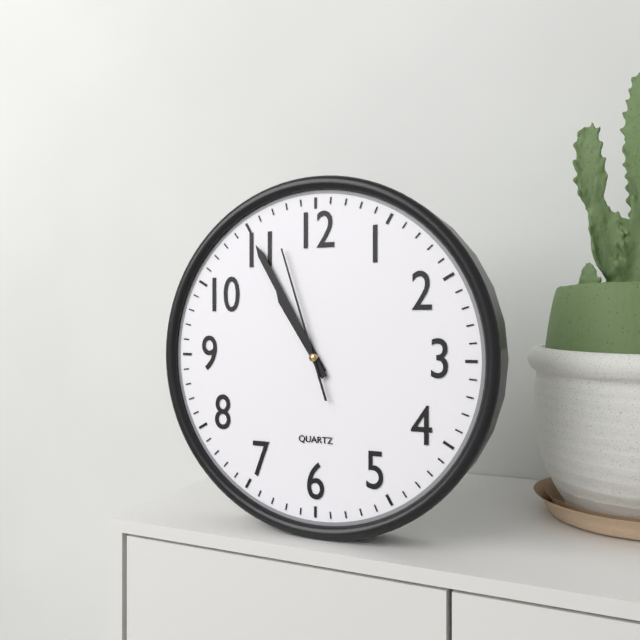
10:55:57
